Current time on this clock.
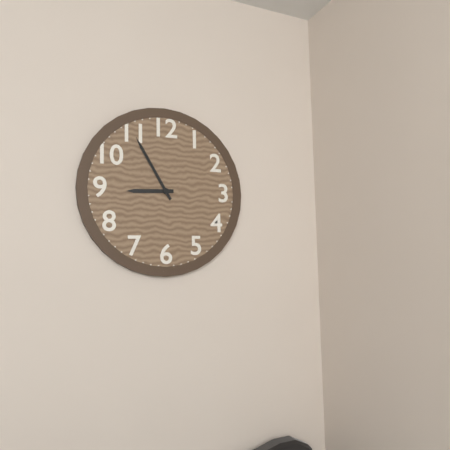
8:55
